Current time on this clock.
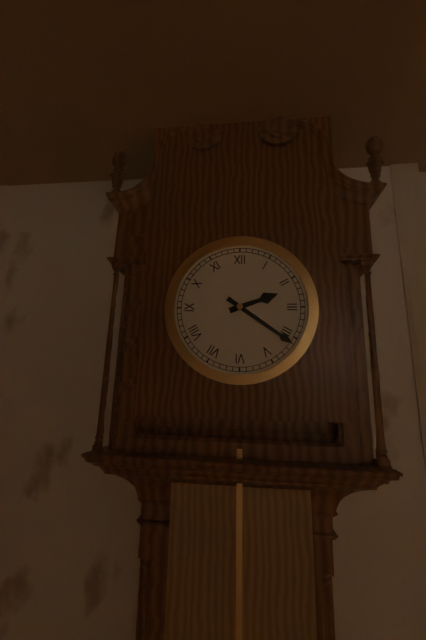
2:21
